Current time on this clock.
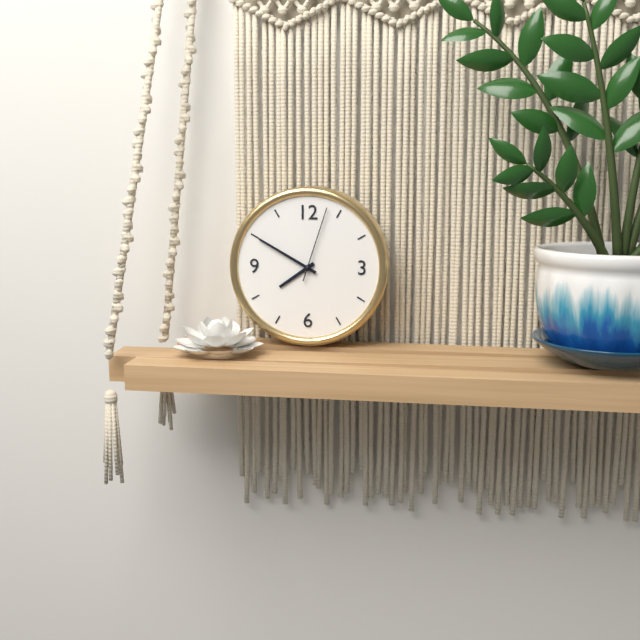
7:50:03
